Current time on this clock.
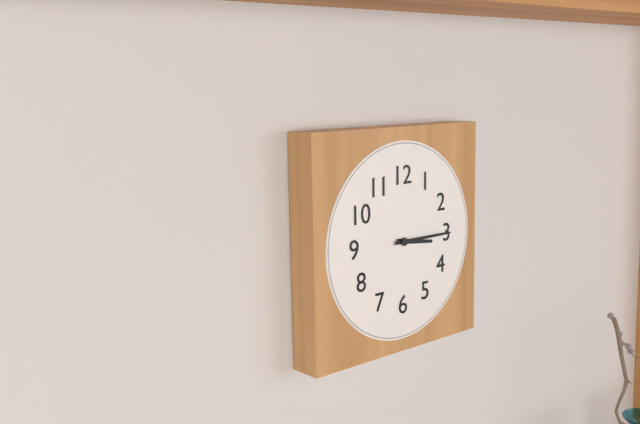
3:15
